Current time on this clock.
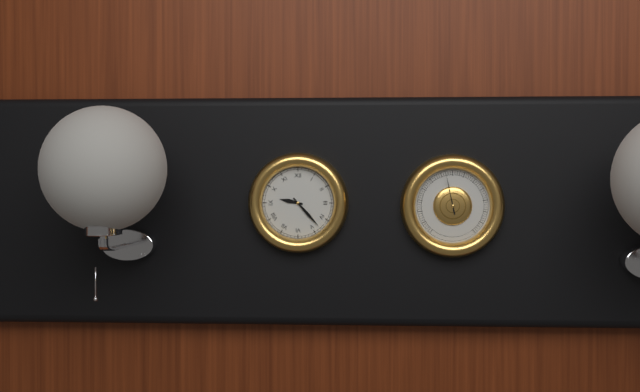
9:23
